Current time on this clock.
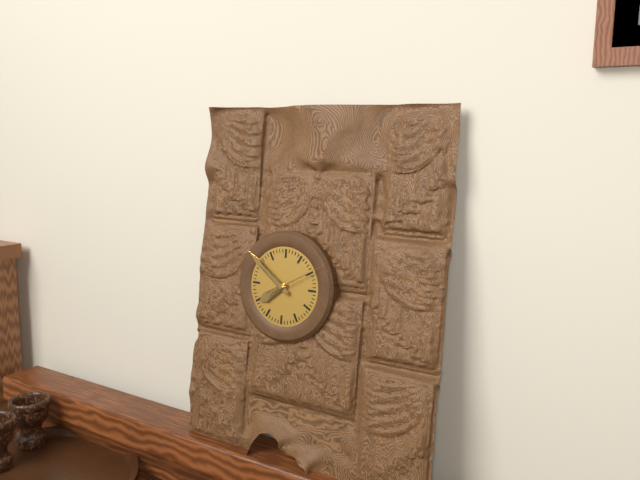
7:51:10
